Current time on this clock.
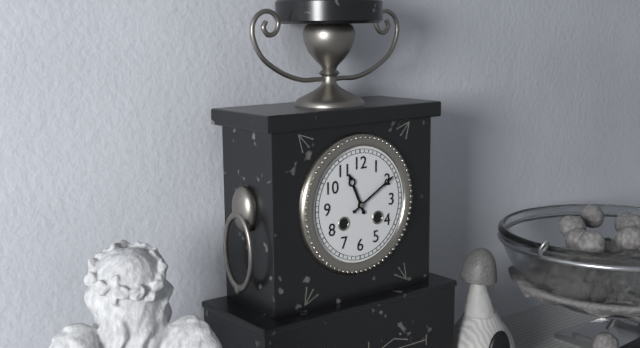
11:10
